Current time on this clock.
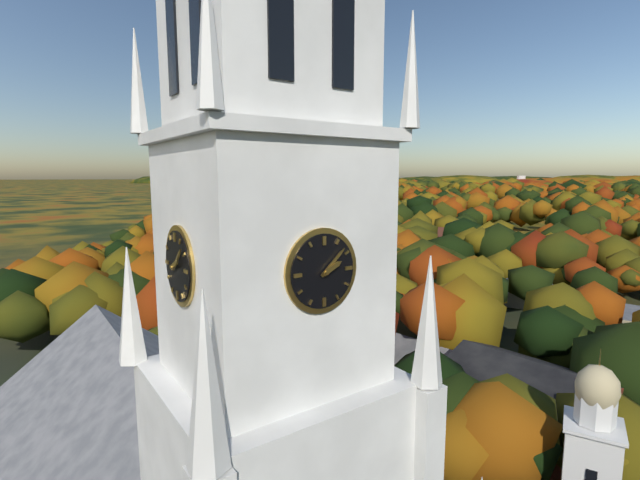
2:08
